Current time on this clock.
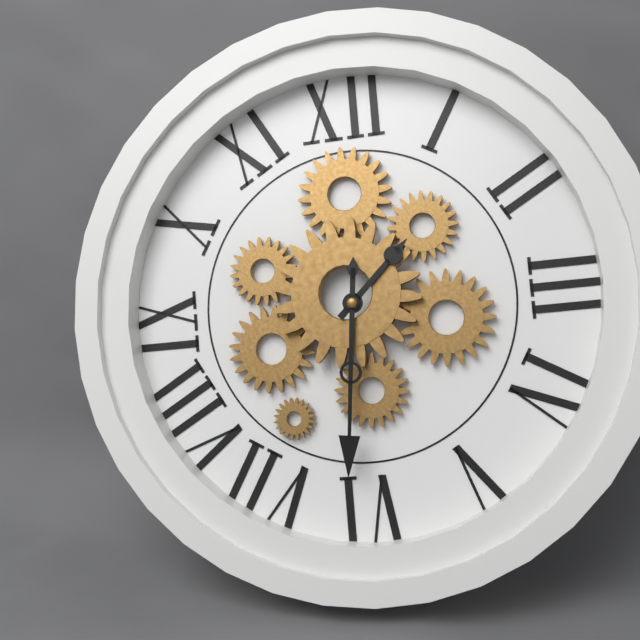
1:31
